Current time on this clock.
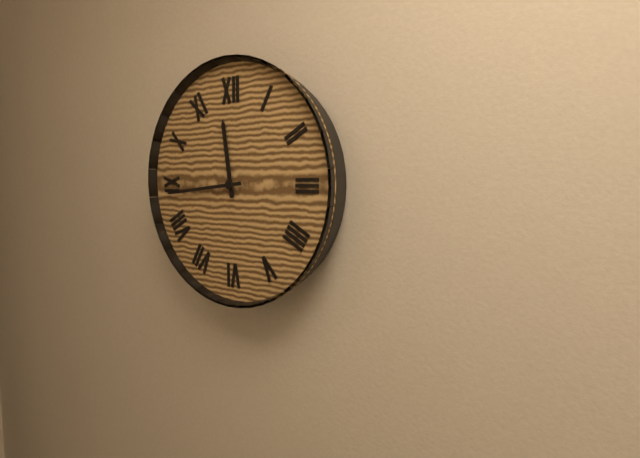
11:44
